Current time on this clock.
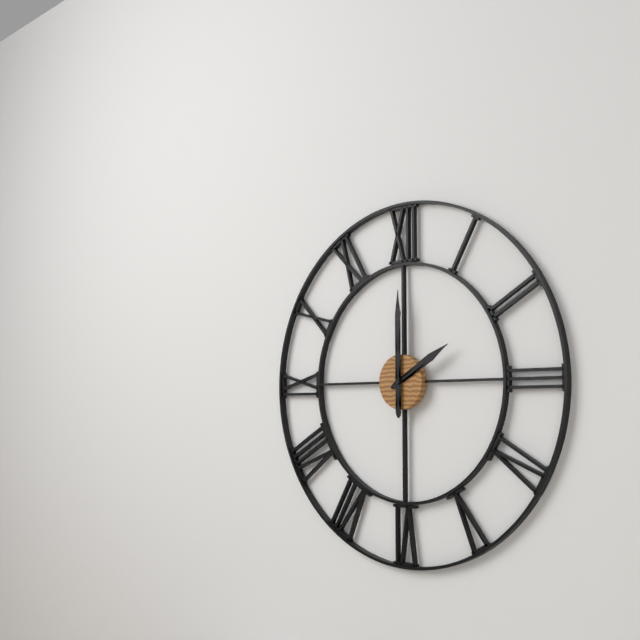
2:00
